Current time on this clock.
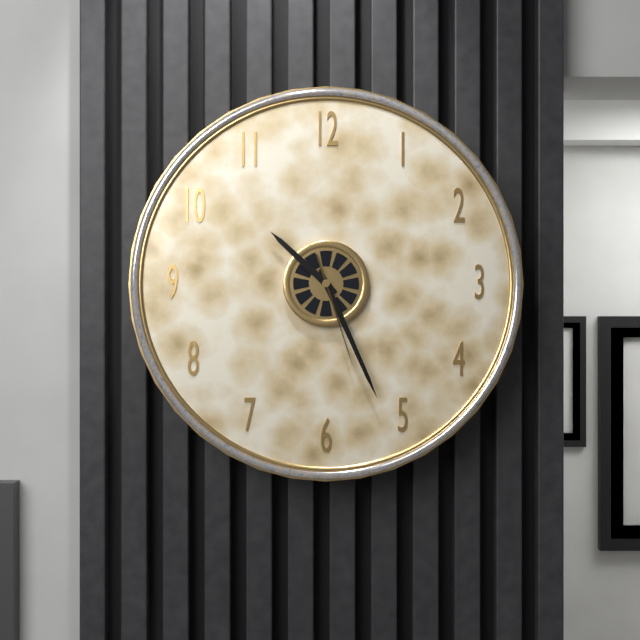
10:26:27
